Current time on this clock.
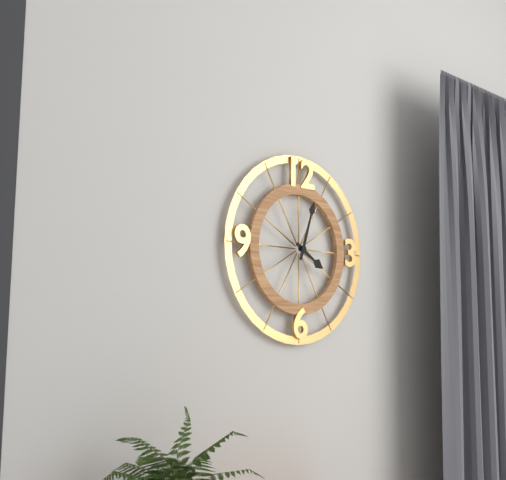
4:03
